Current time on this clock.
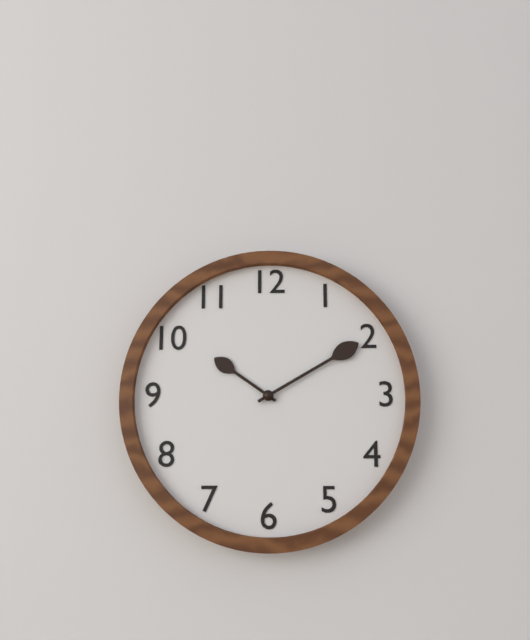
10:10
